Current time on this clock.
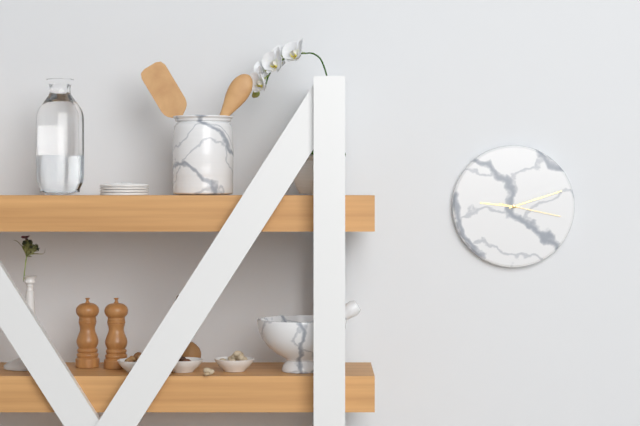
9:12:17
